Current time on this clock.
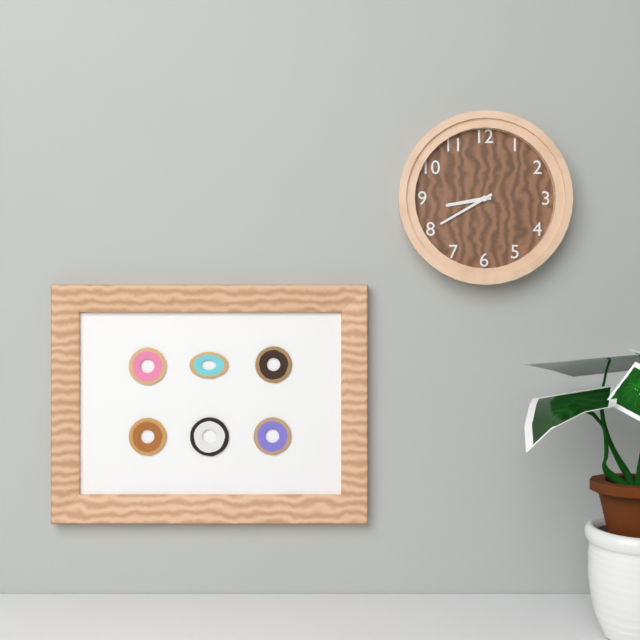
8:40
